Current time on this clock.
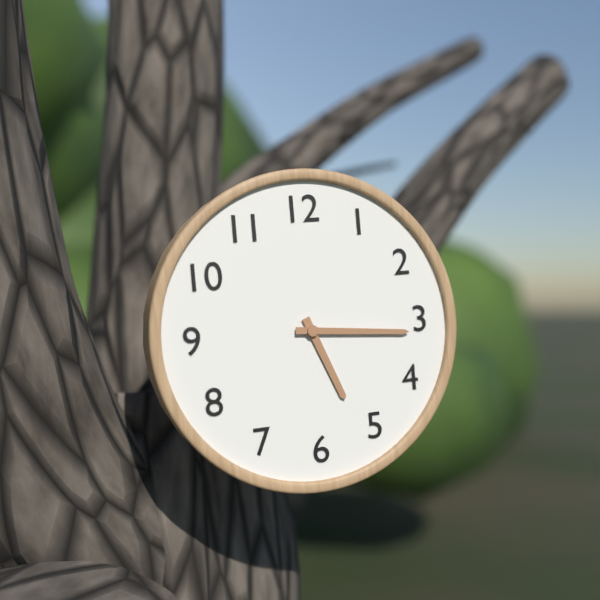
5:16
